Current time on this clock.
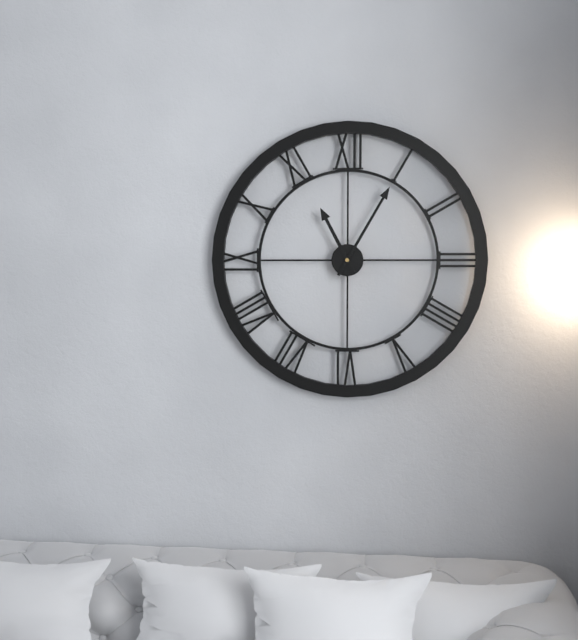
11:05
